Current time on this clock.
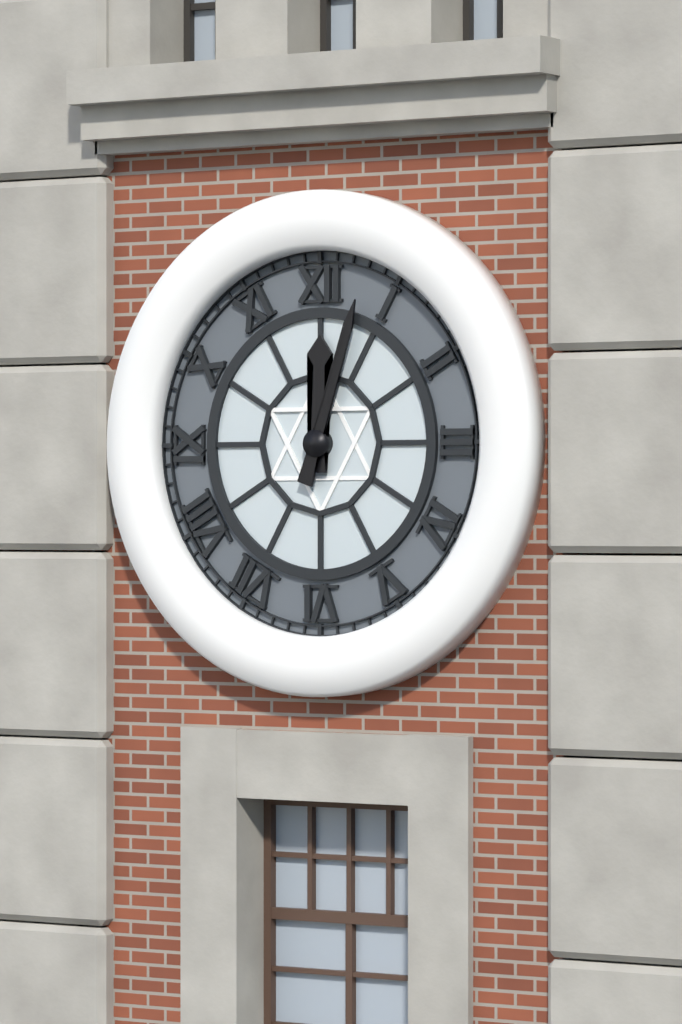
12:03
